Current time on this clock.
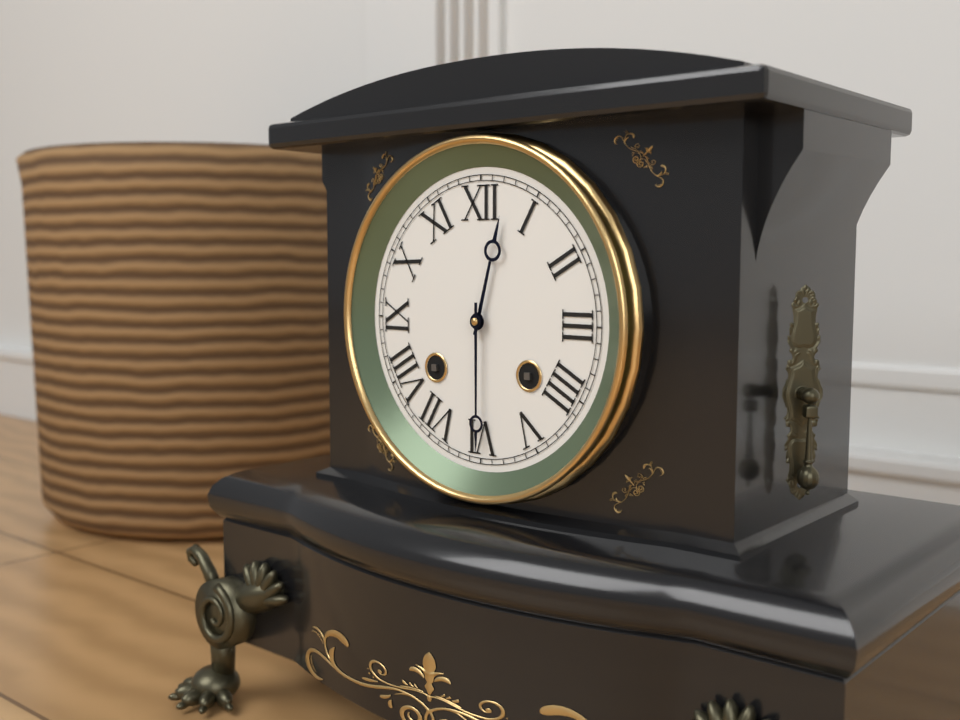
12:30
